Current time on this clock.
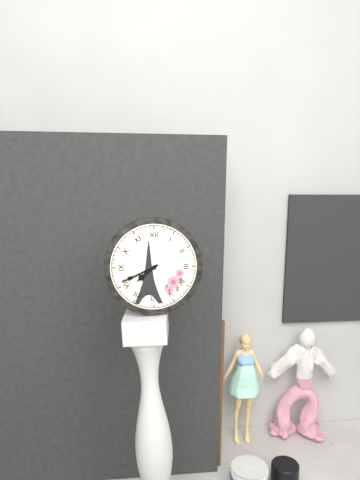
7:41
